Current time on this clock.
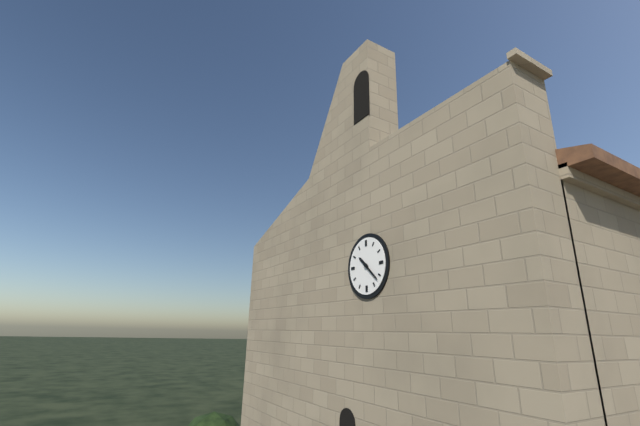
10:22
